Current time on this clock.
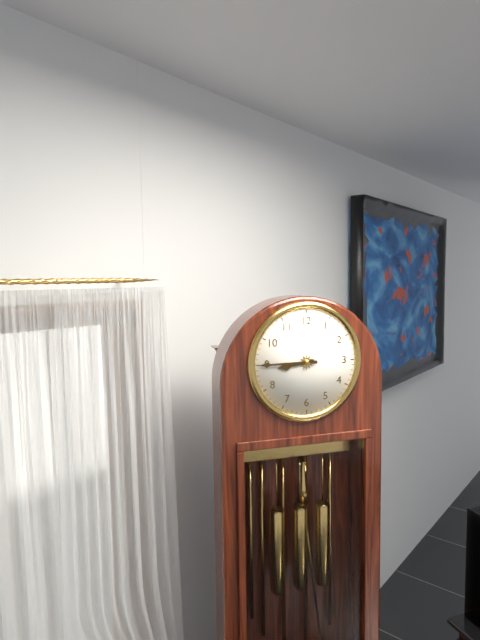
8:45
